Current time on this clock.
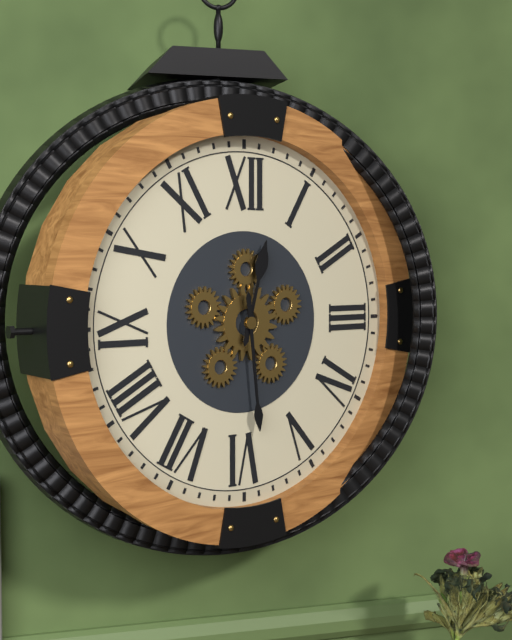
12:29
